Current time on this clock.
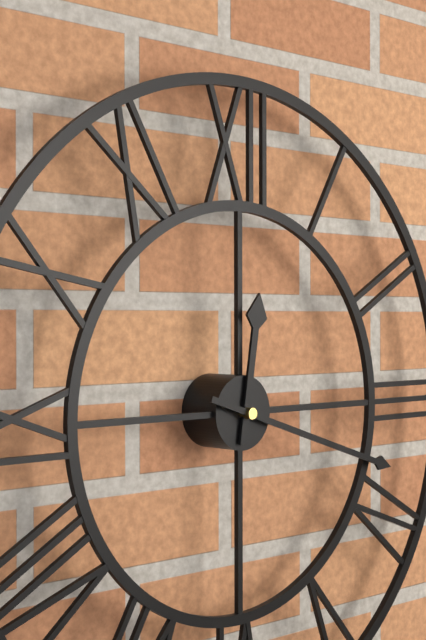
12:18
